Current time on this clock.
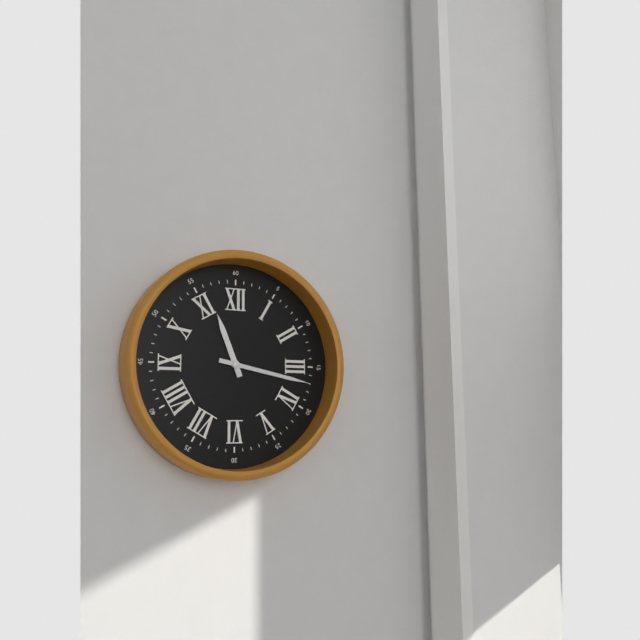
11:17
